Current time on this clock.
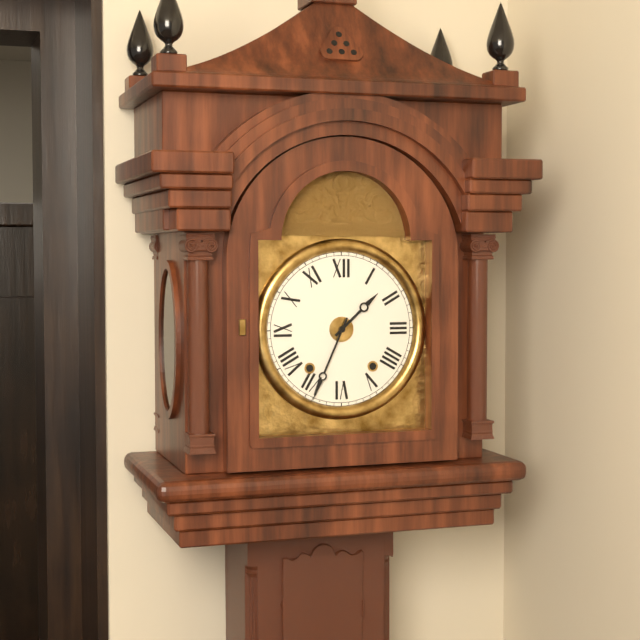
1:34
